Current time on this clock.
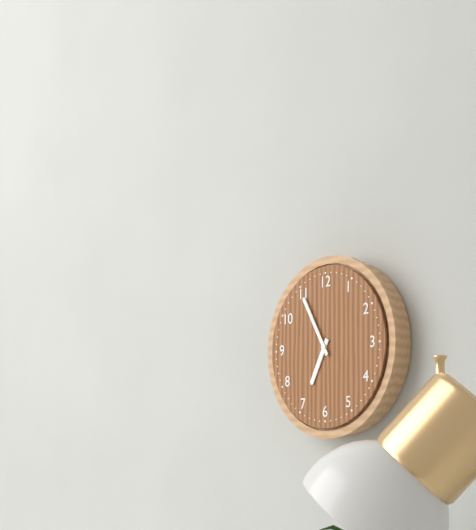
6:55
